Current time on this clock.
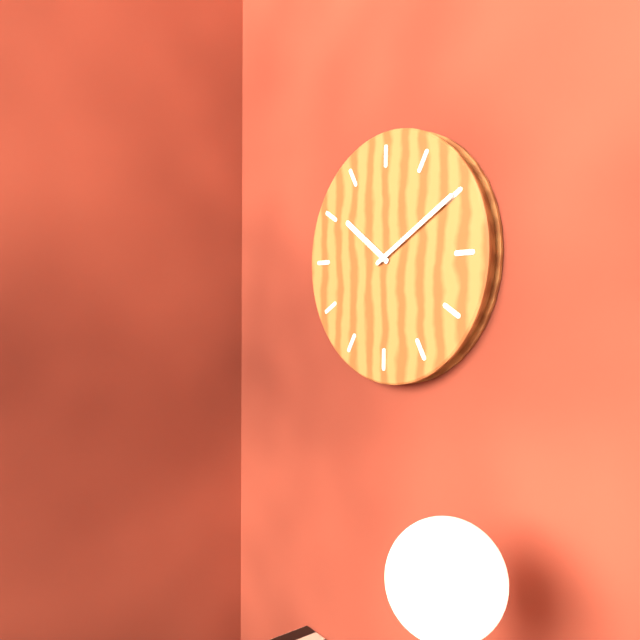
10:10
